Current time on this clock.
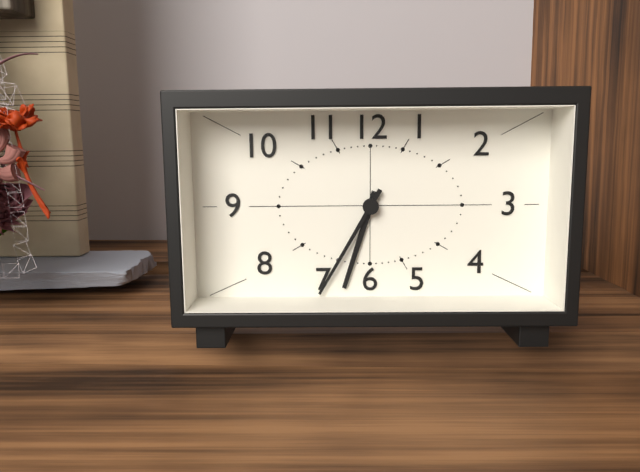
6:35
